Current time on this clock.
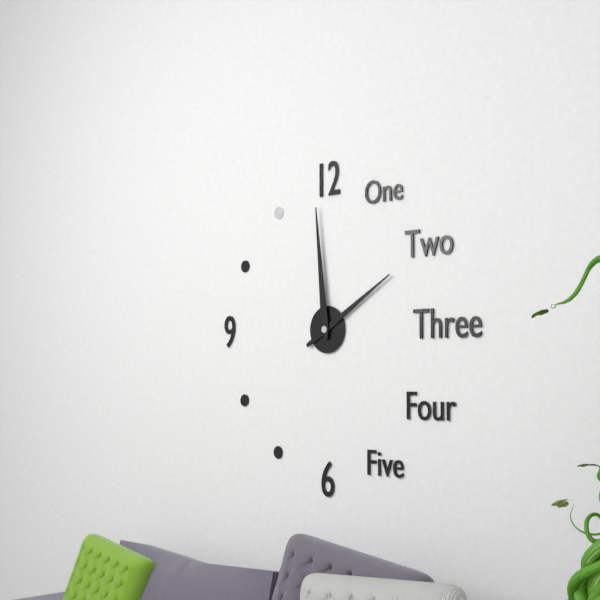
1:59
